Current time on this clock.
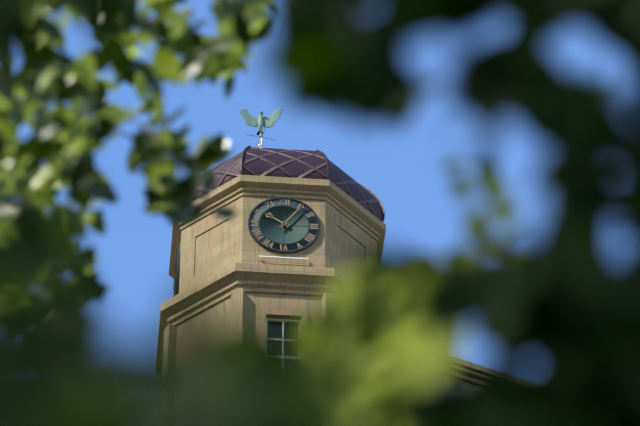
10:06
